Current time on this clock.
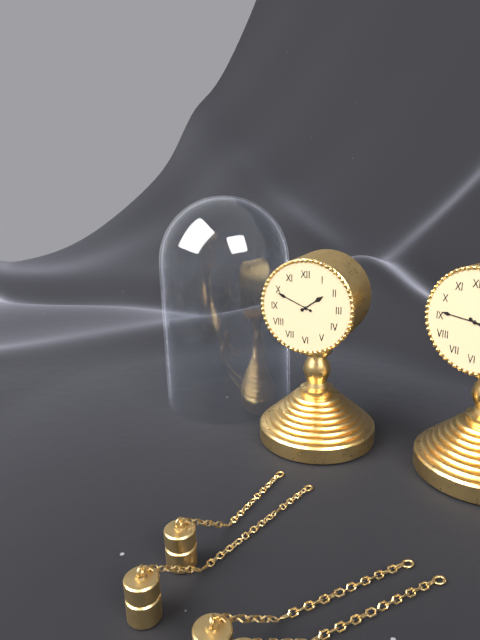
1:49
